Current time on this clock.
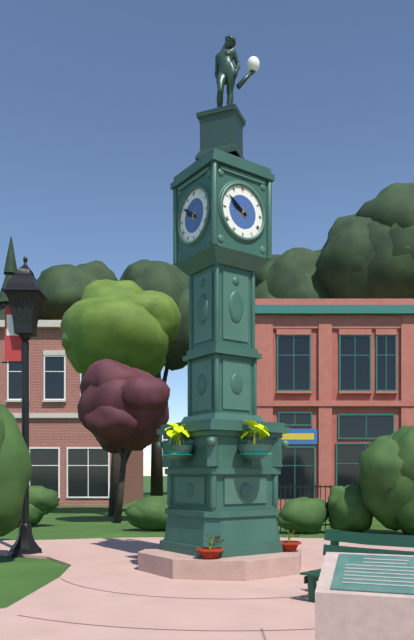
9:51
